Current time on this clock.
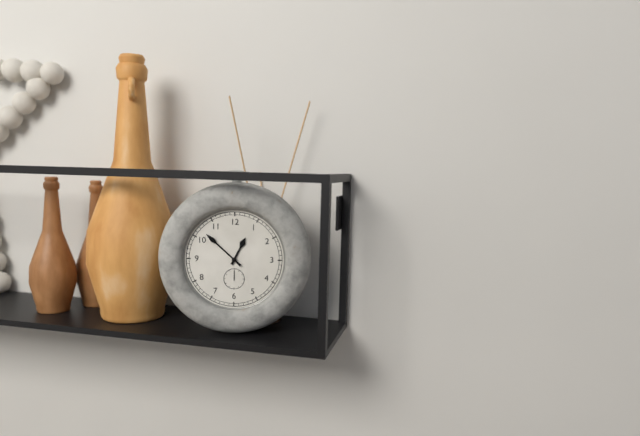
12:52
